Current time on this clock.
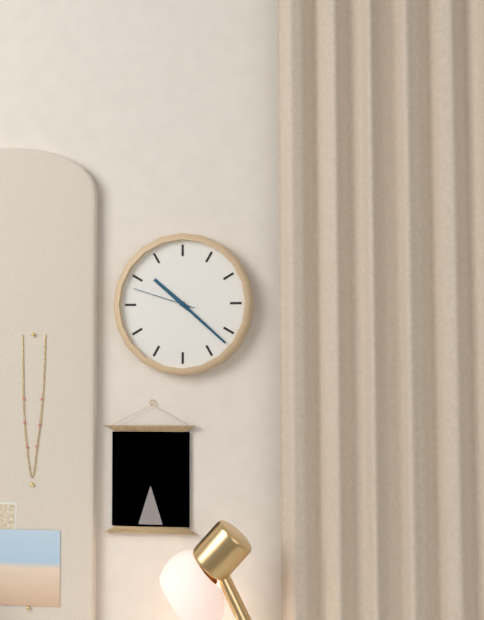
10:22:48
